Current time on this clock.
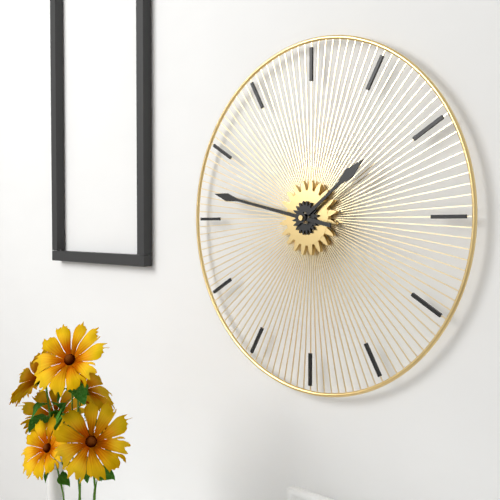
1:47
